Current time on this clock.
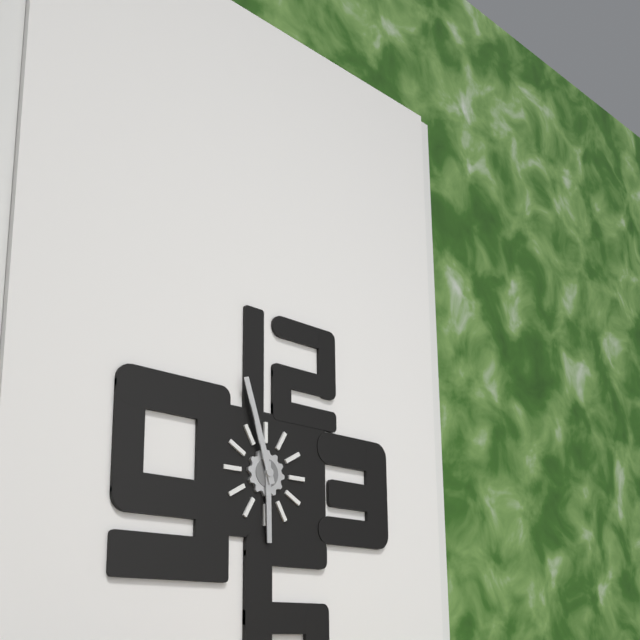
5:57
